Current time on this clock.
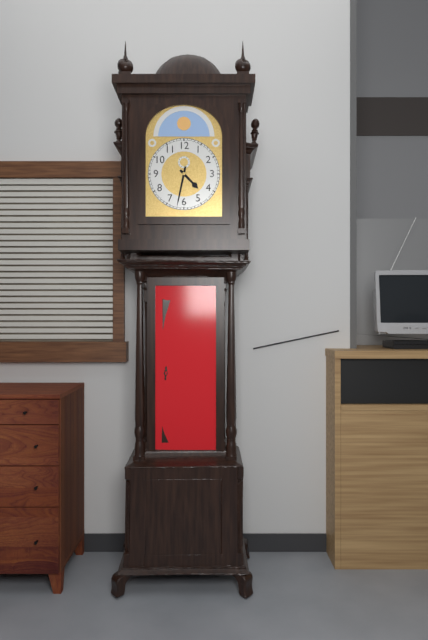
4:32
